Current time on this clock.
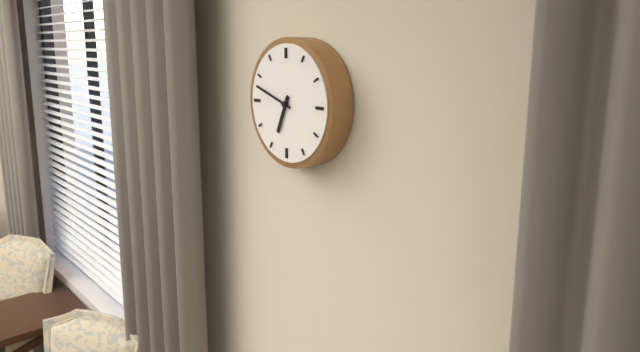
6:48
